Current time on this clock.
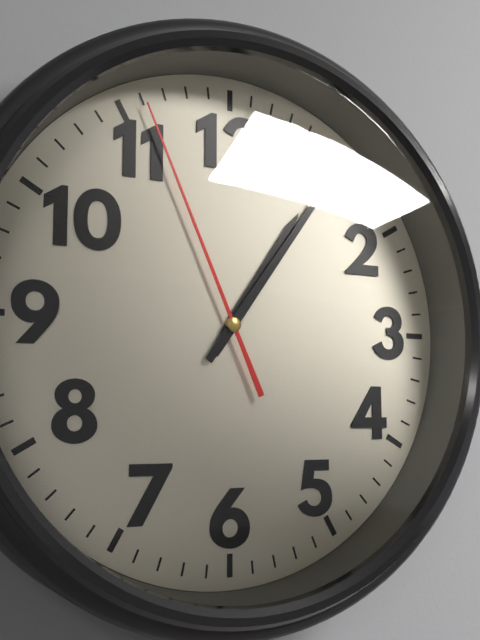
1:06:56
